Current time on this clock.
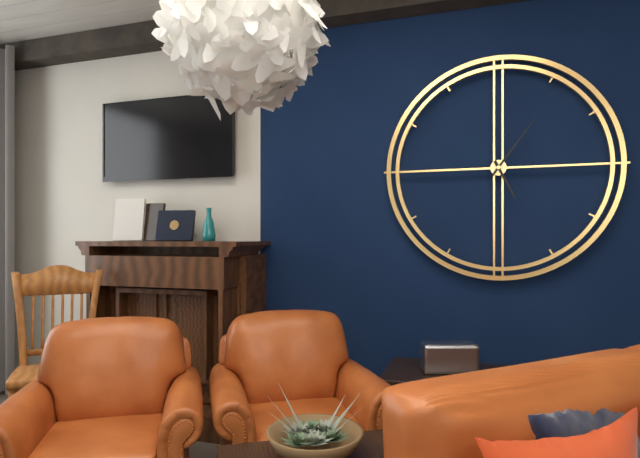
5:06
